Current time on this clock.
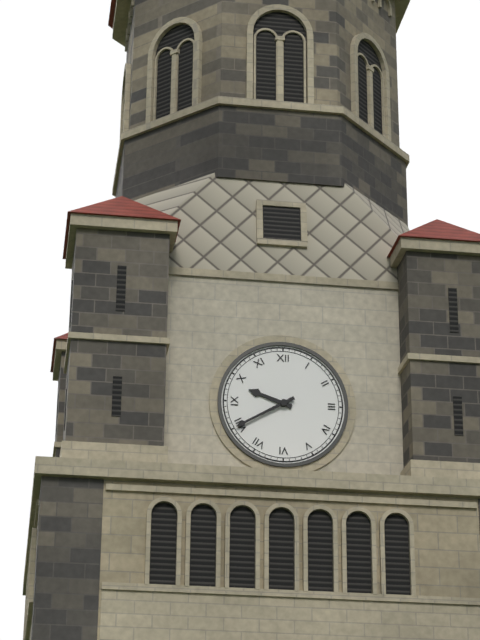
9:40
